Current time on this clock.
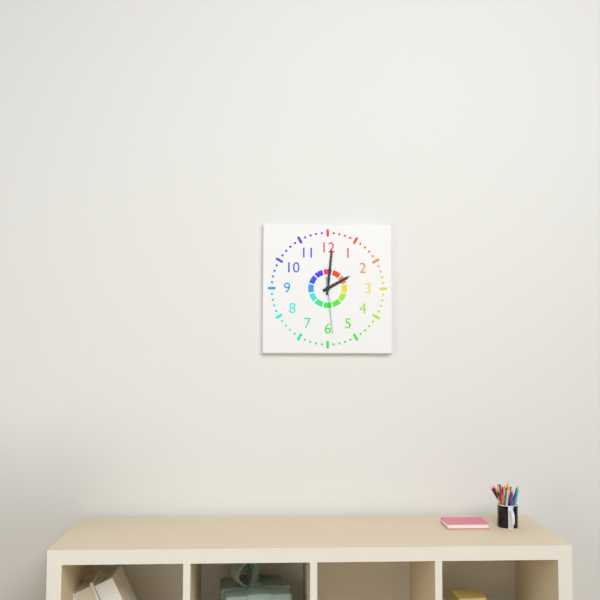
2:01:29
